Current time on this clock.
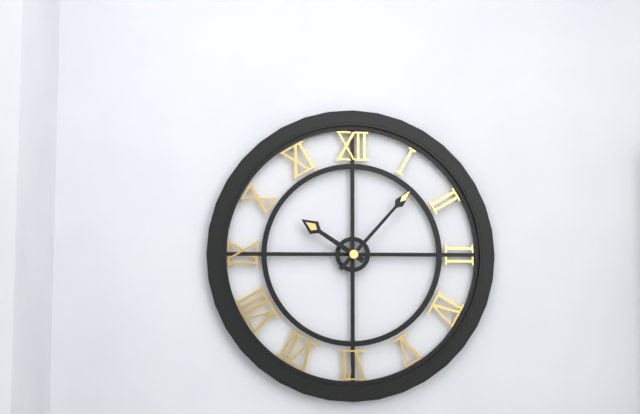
10:07
